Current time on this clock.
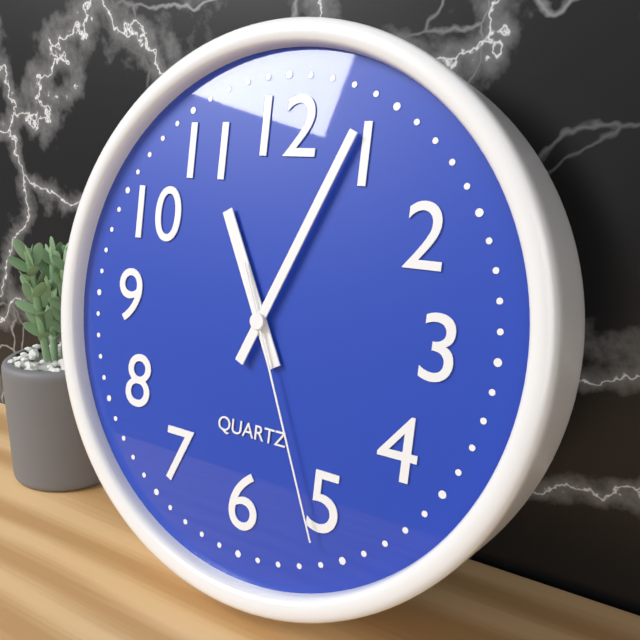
11:04:26
